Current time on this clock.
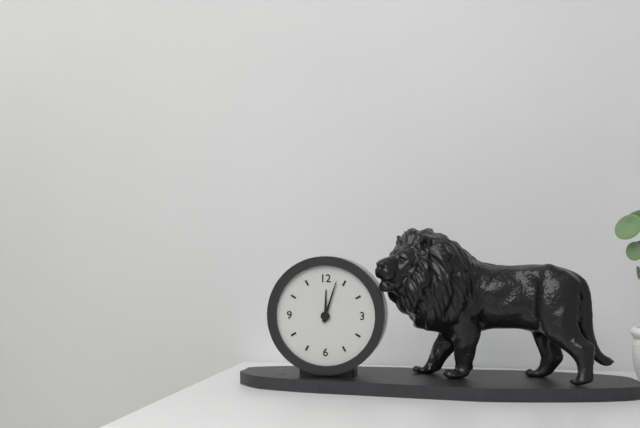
12:03
